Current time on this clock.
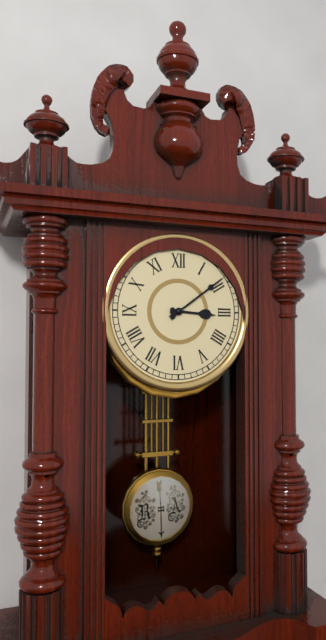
3:09
